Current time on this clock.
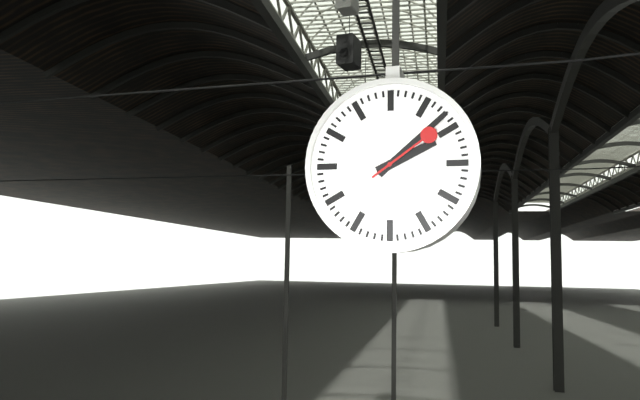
2:08:09
